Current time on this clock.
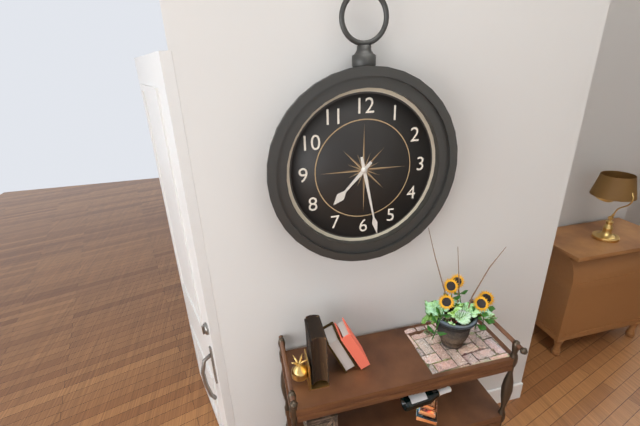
7:28
